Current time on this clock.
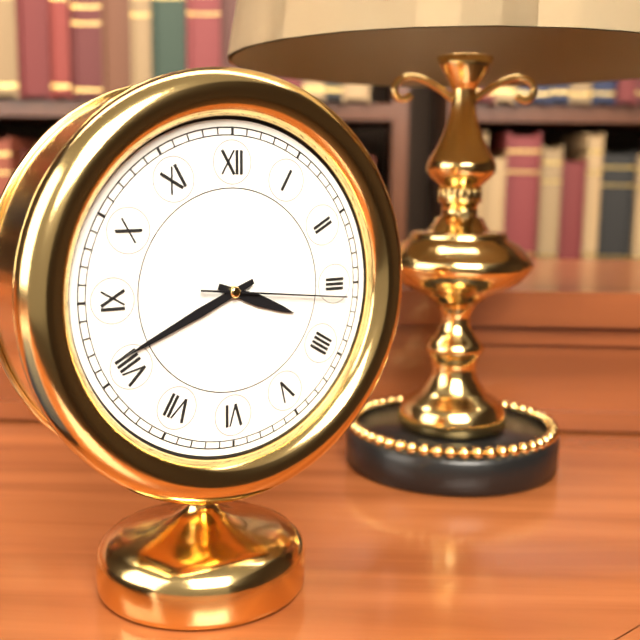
3:41:16
